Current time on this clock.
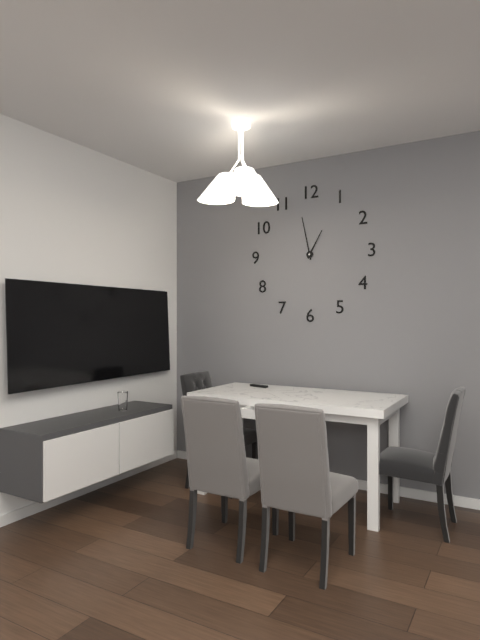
12:58
